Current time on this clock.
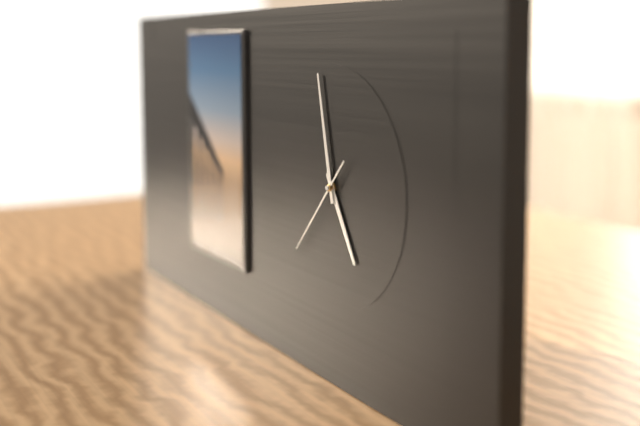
4:58:37
